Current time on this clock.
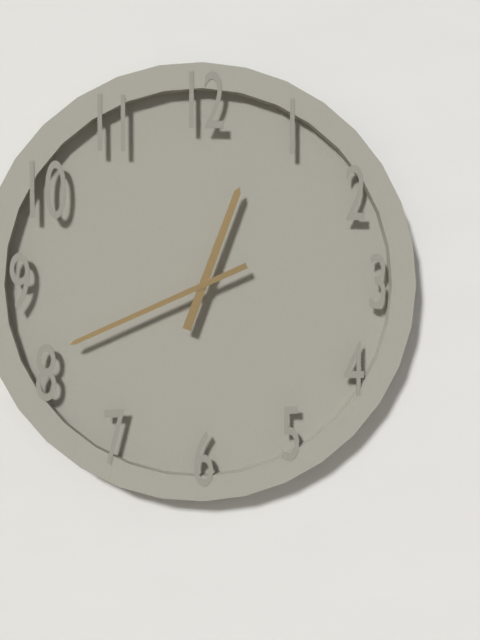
12:41
